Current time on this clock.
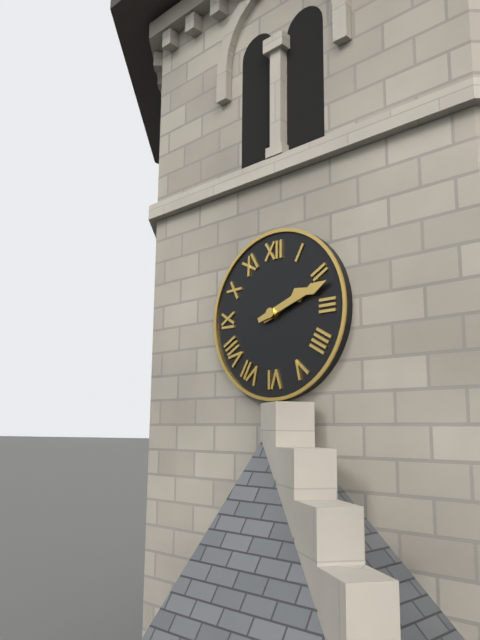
2:12
